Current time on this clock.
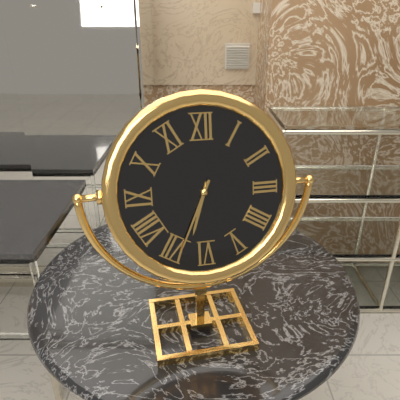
6:34
